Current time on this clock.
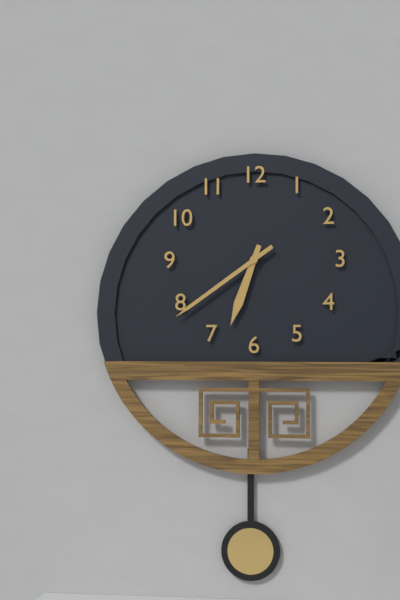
6:39
